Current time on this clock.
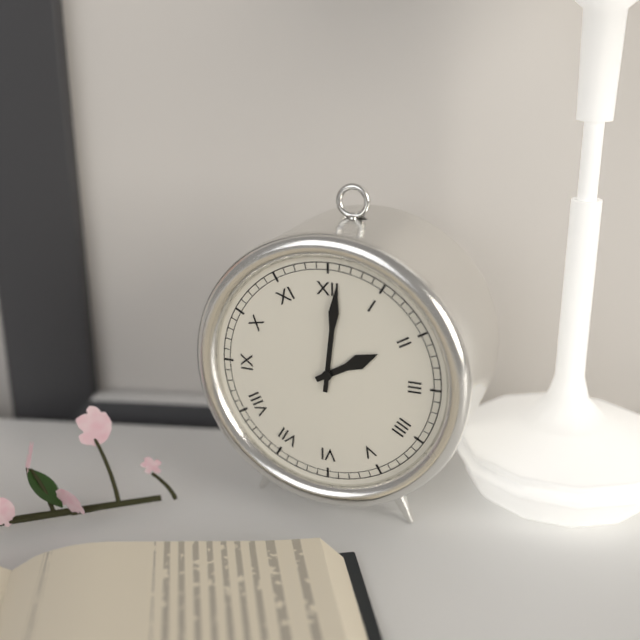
2:01
